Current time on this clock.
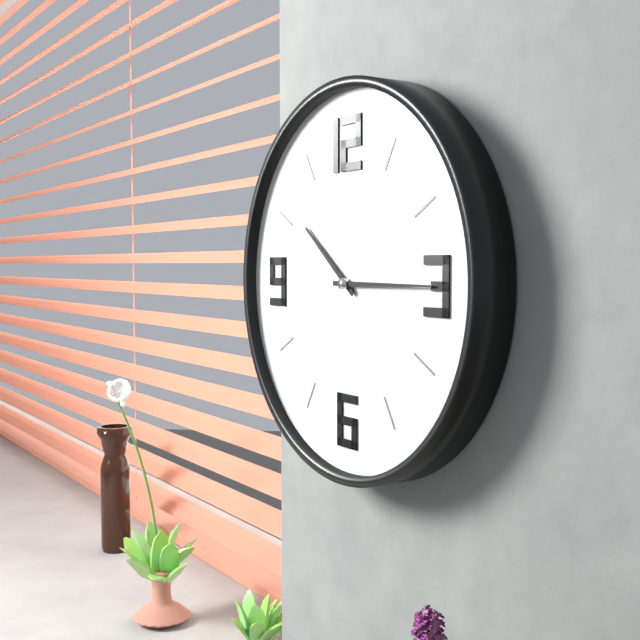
10:15
